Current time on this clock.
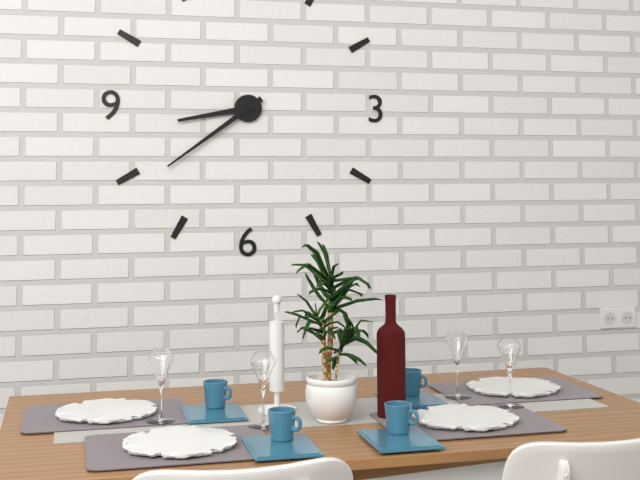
8:39
